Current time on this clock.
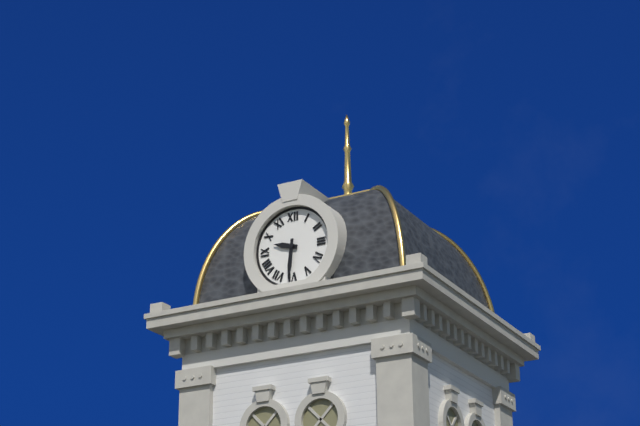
9:31
